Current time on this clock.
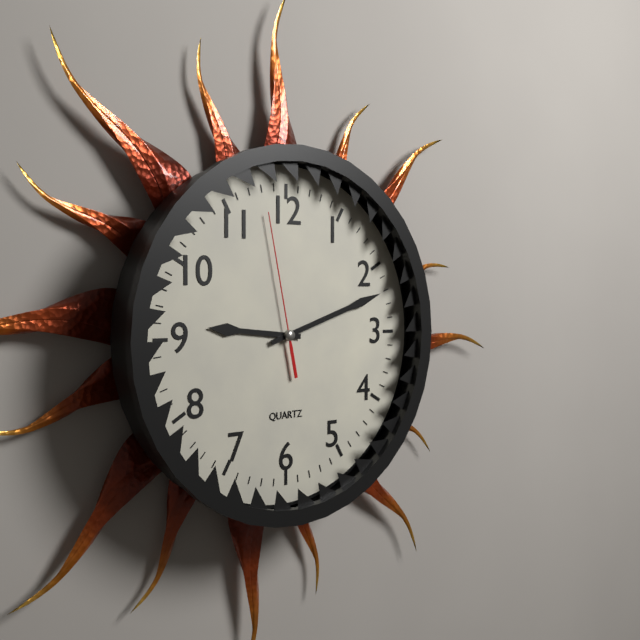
9:12:58
